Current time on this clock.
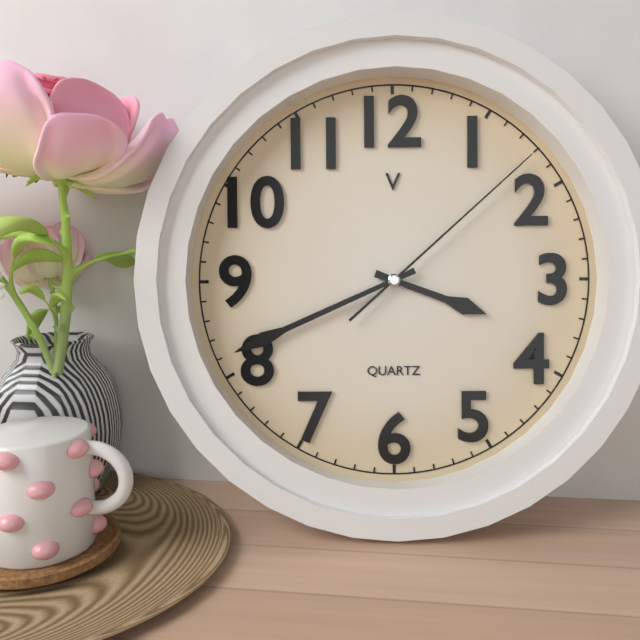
3:41:08
